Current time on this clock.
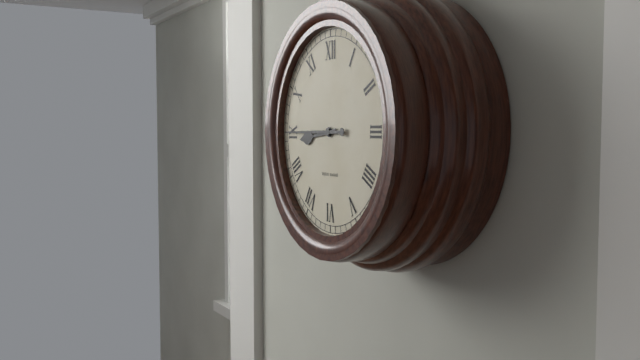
8:45
